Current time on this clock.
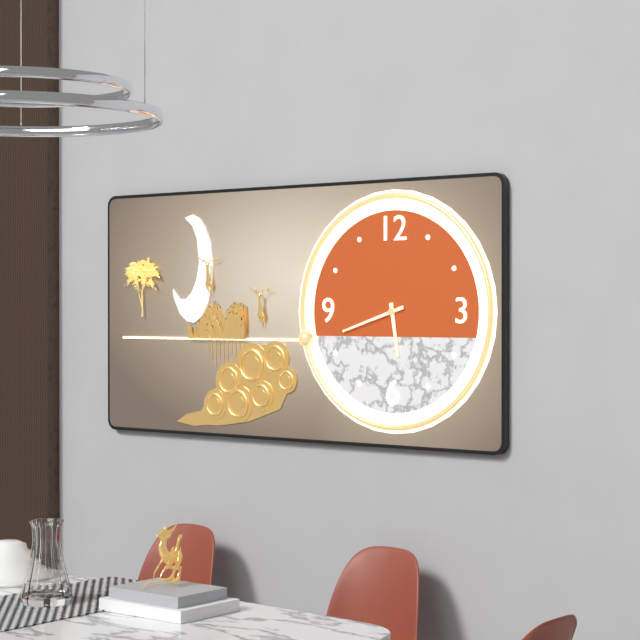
5:42
